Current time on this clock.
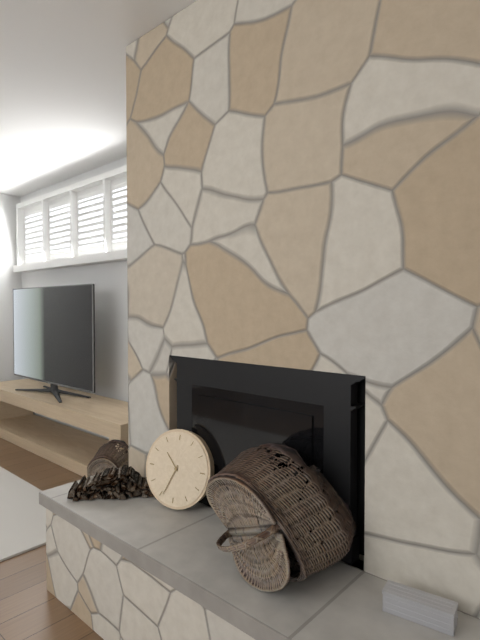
10:34
